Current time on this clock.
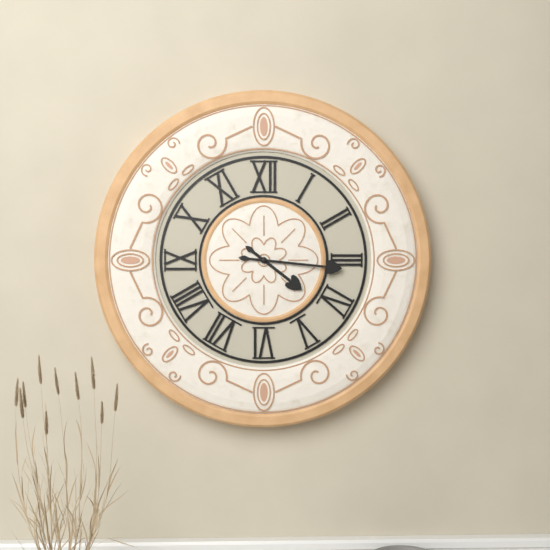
4:16
